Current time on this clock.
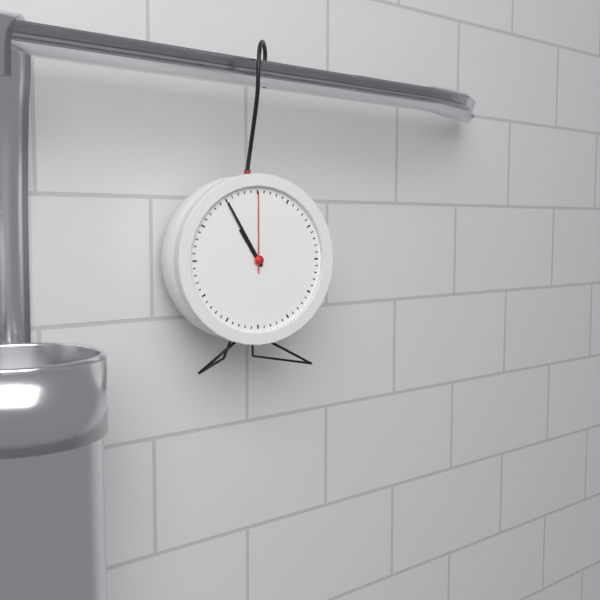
10:55:00
